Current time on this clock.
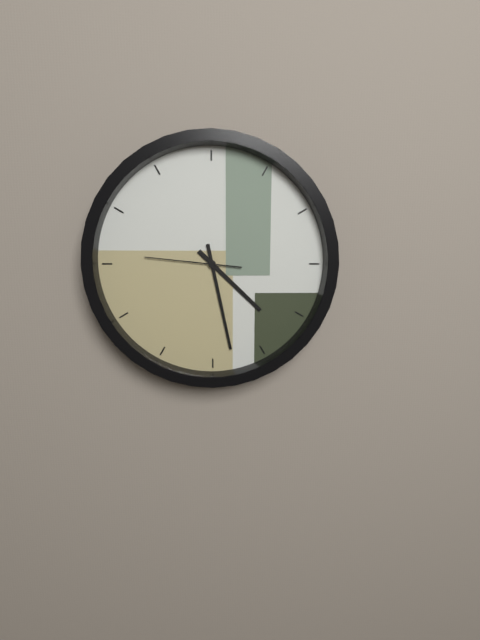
4:28:46
